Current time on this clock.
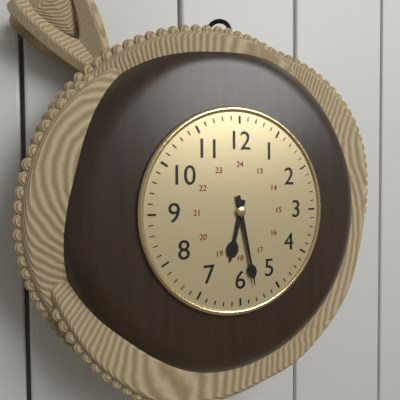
6:28
